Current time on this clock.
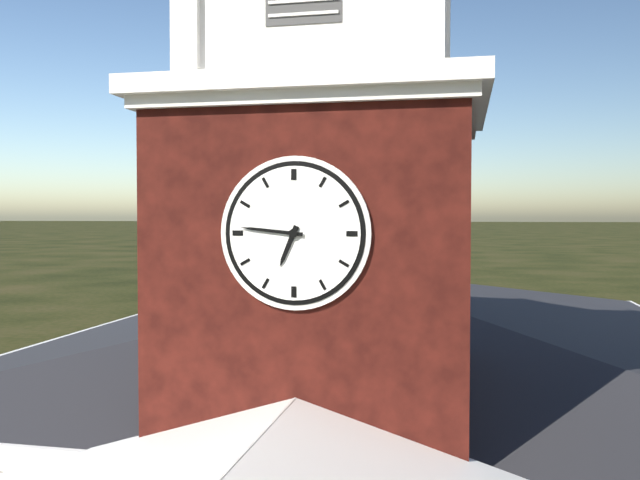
6:46
